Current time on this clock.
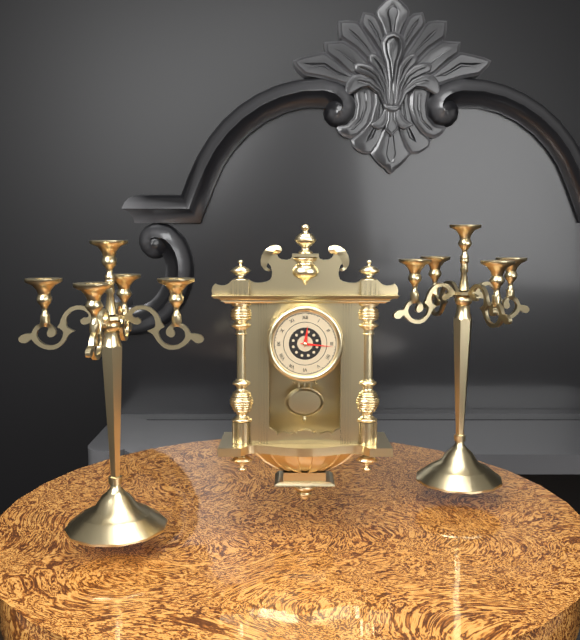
12:16
